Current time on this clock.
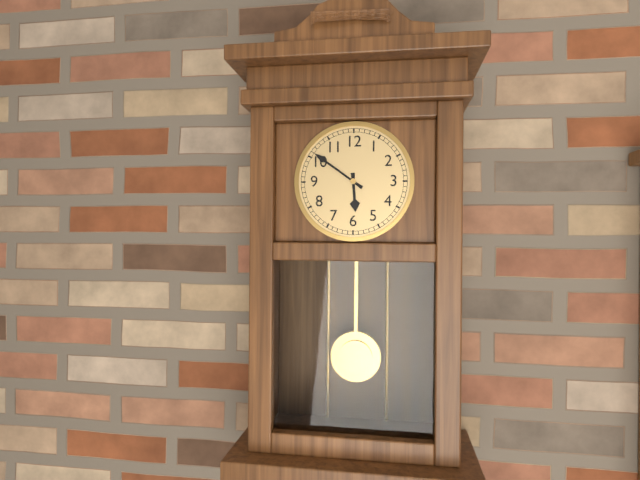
5:51
